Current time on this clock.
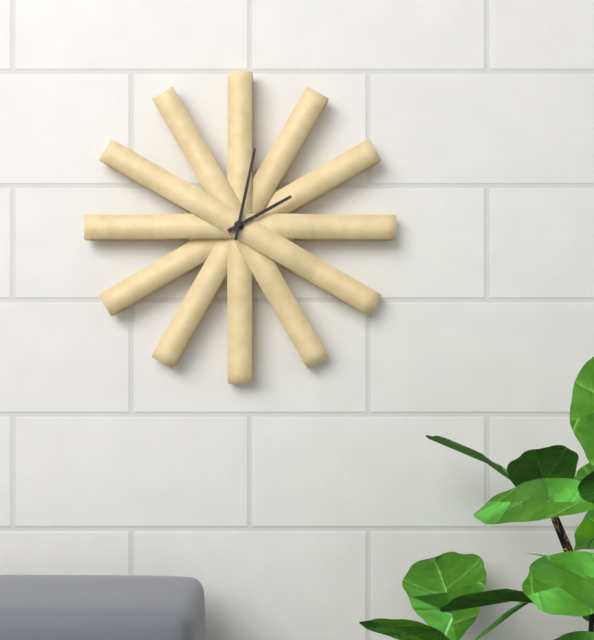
2:02
